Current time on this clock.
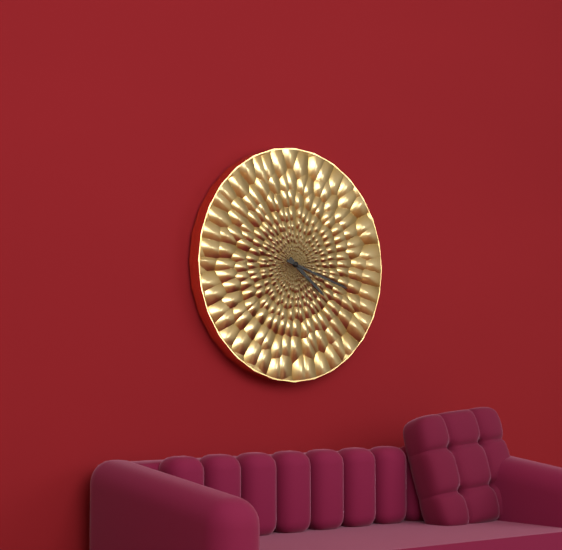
4:18
